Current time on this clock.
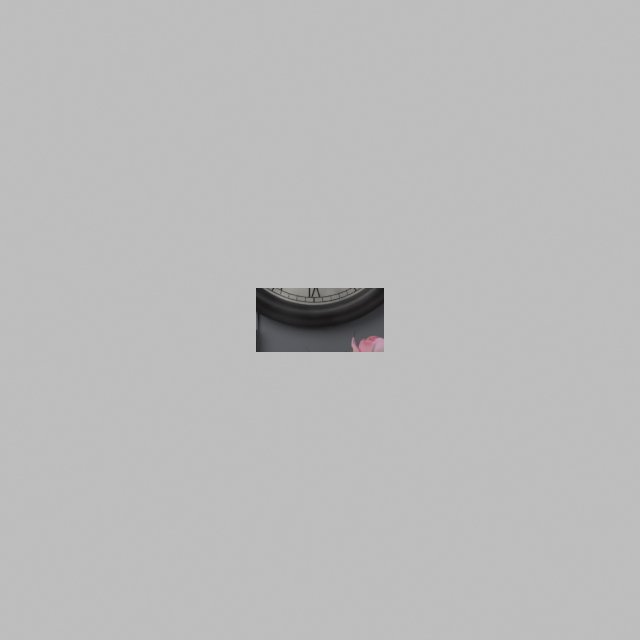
7:29
